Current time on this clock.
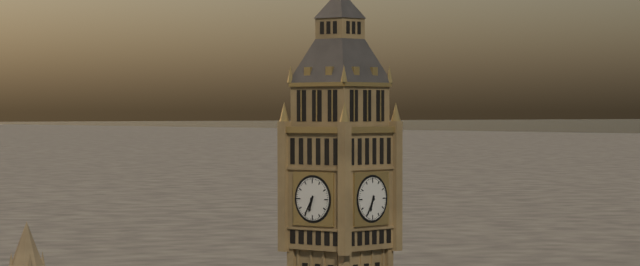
6:35
